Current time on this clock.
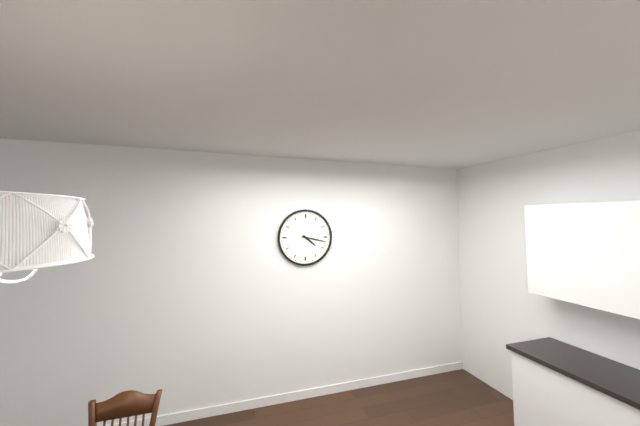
4:17
